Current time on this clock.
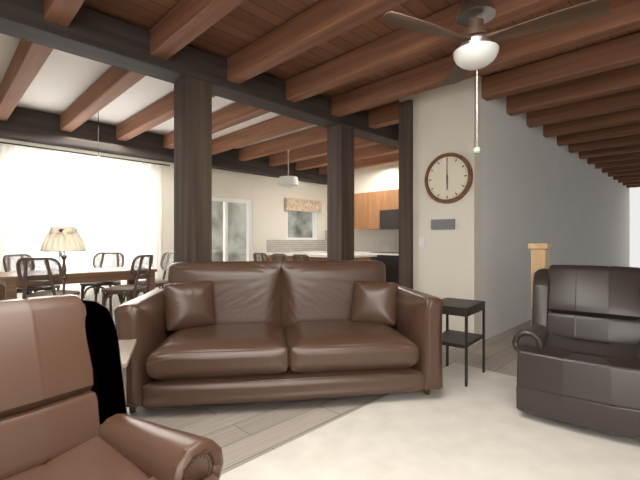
6:00
